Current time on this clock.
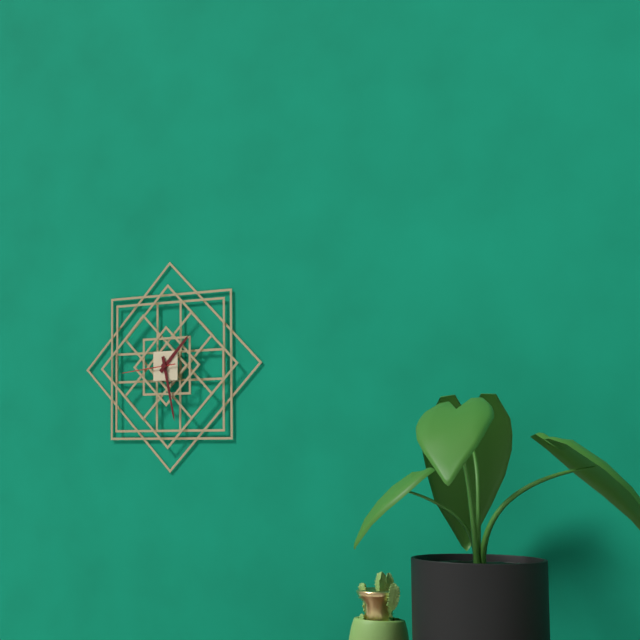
1:28:44
